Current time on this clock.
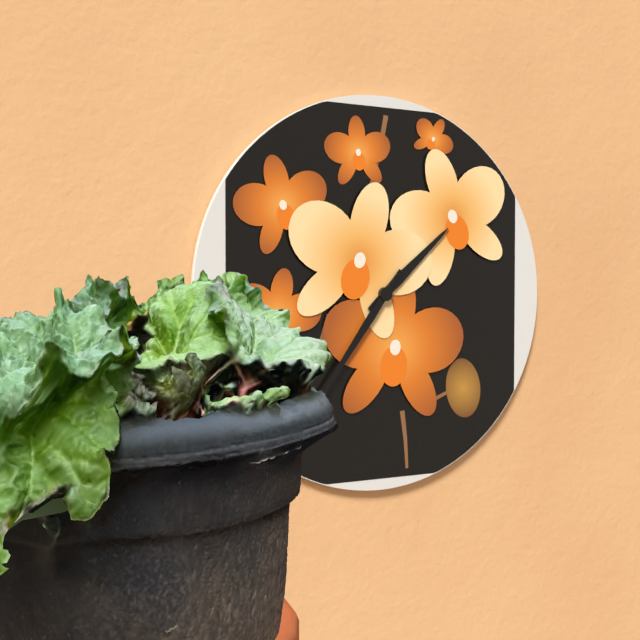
1:36
